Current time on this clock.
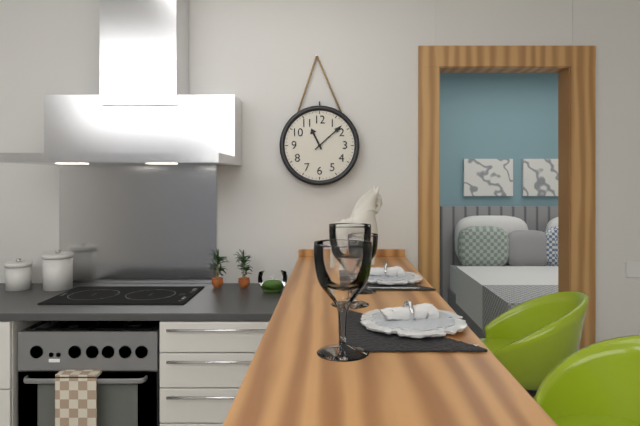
11:08
